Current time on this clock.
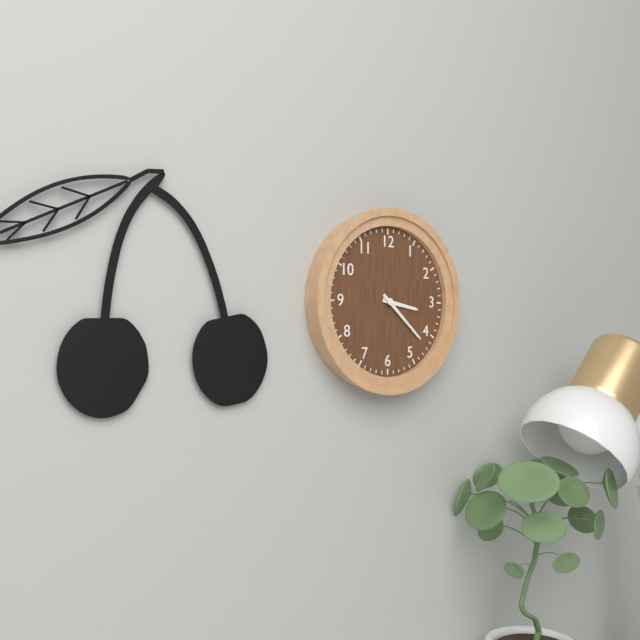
3:22
